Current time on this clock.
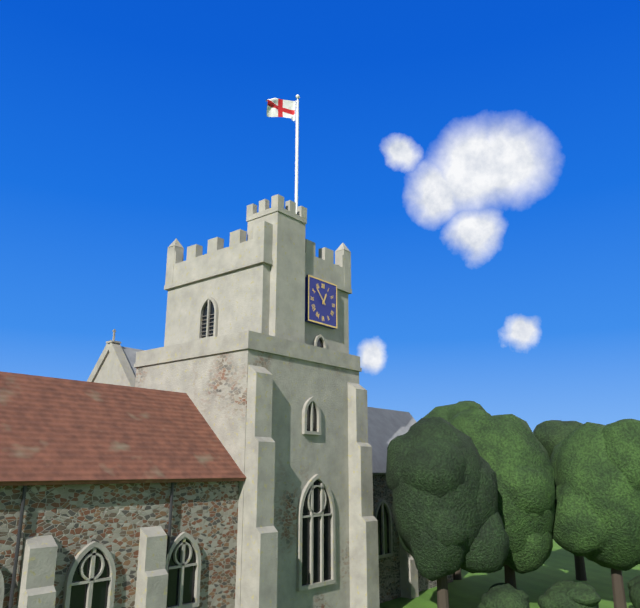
12:53
